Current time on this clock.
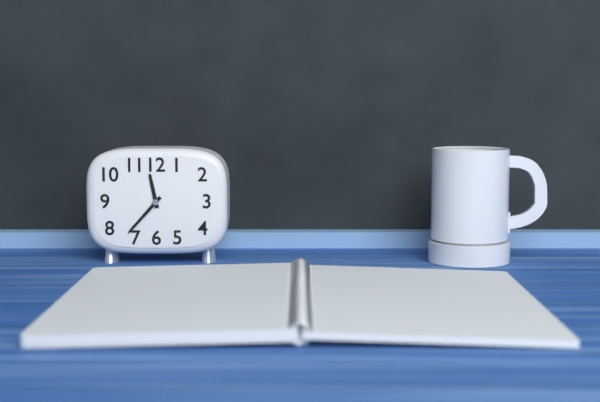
11:37
